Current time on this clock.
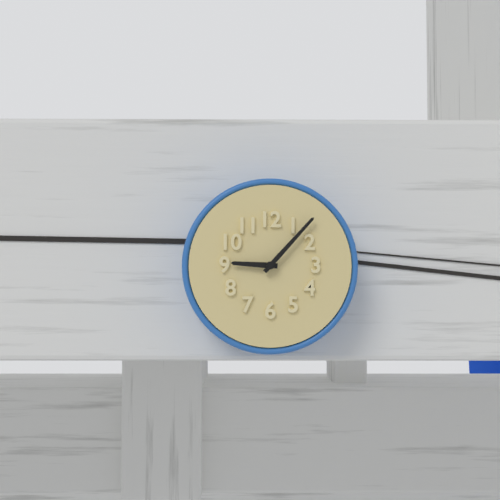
9:07
